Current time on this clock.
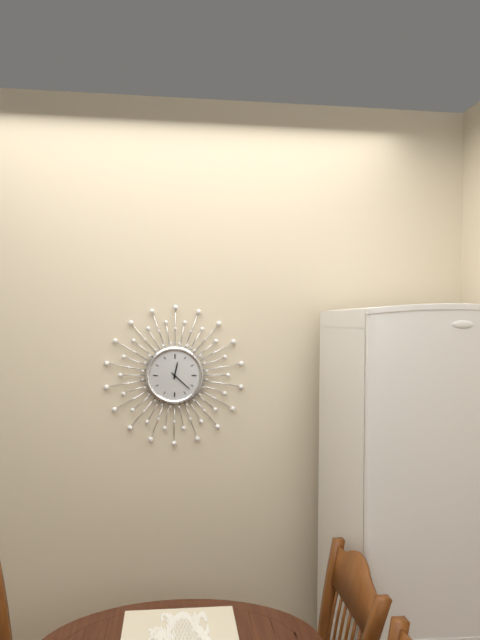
12:22
